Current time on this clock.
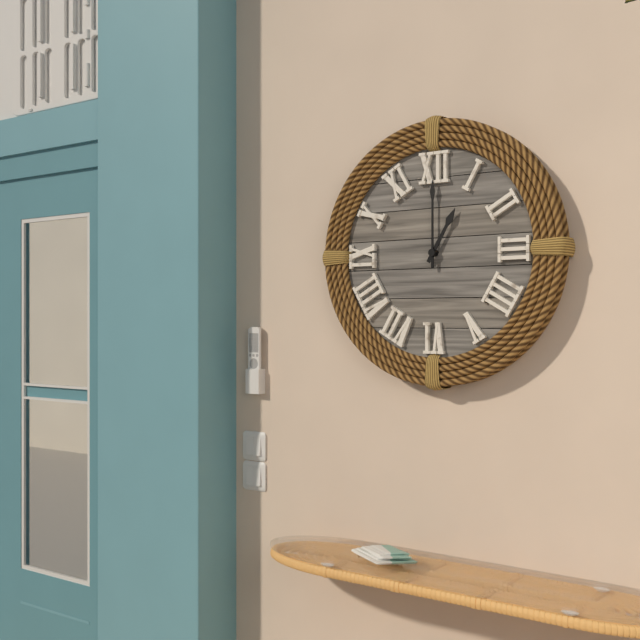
1:00
